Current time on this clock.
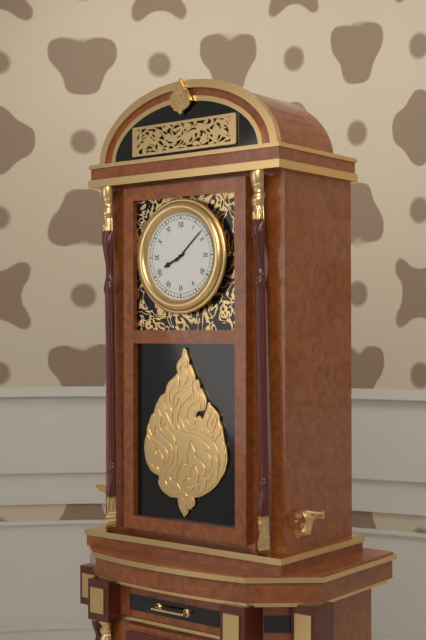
8:08
